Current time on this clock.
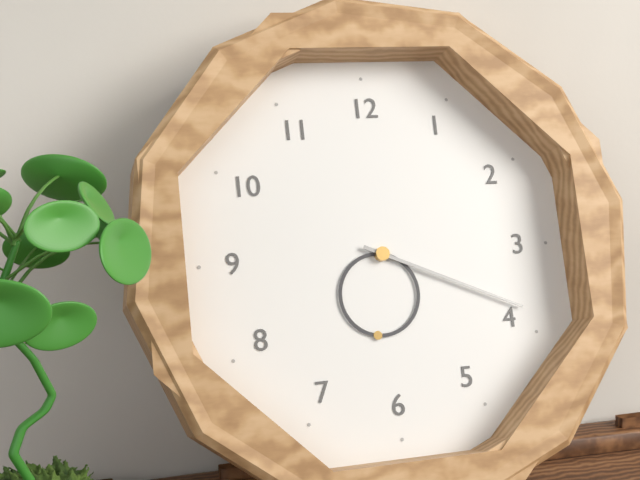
6:19
